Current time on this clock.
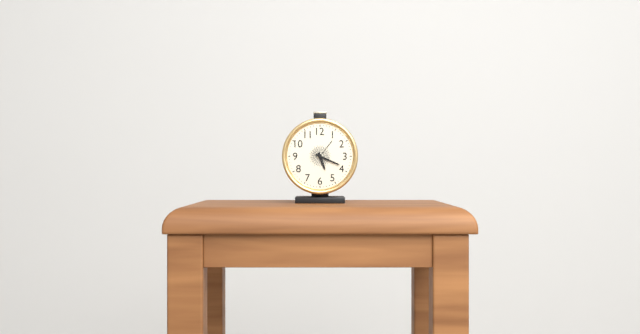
5:19
